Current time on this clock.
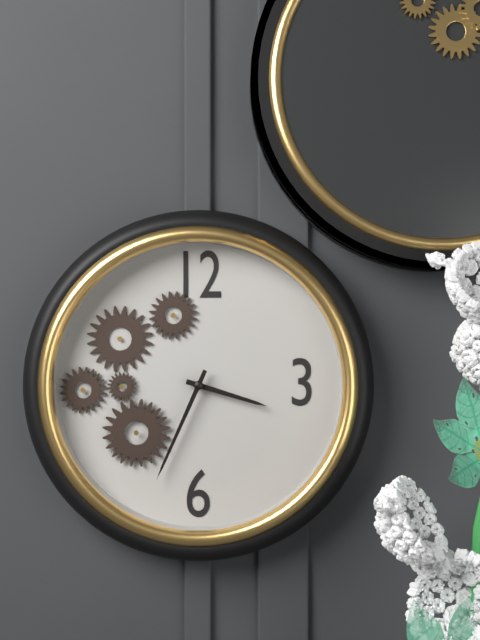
3:34
